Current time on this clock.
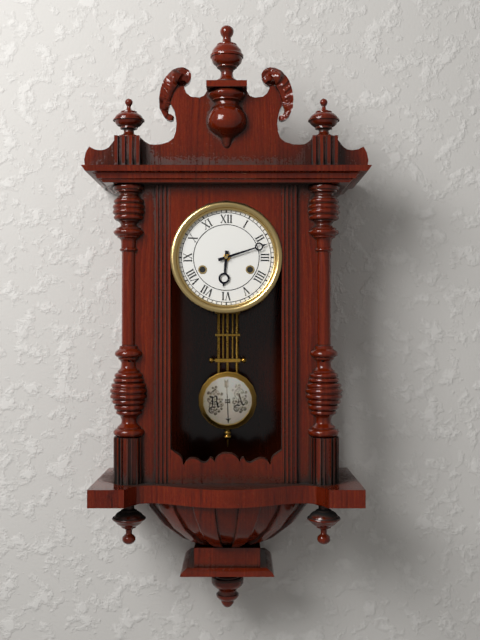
6:12
